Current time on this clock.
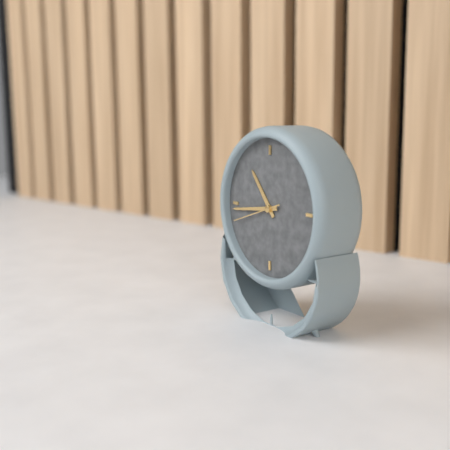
10:44
